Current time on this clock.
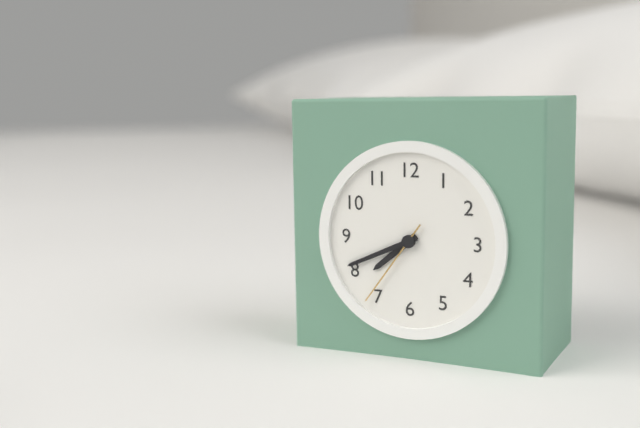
7:41:36
